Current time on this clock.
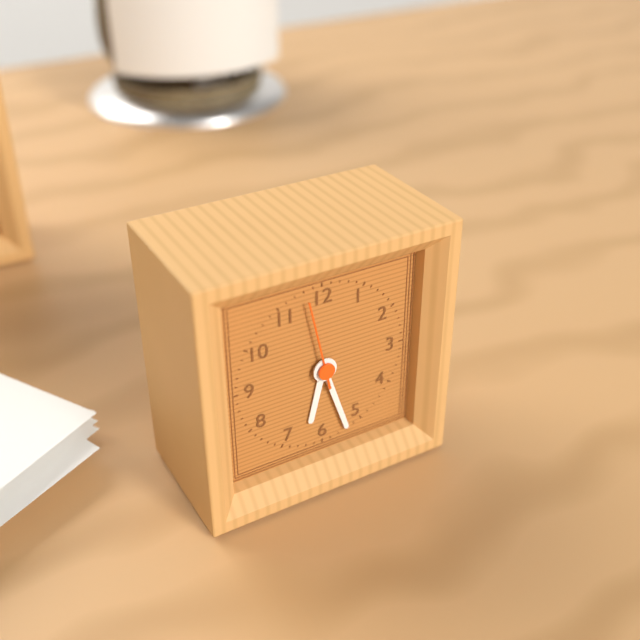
6:27:58
